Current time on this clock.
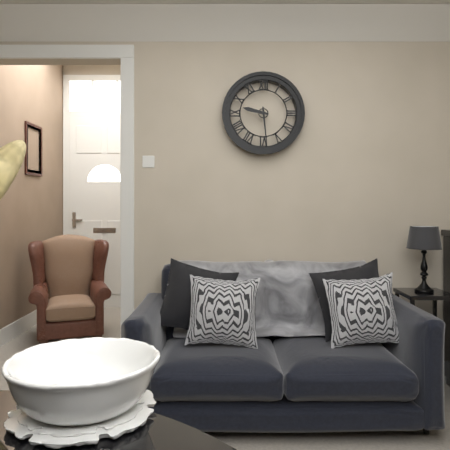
9:29
